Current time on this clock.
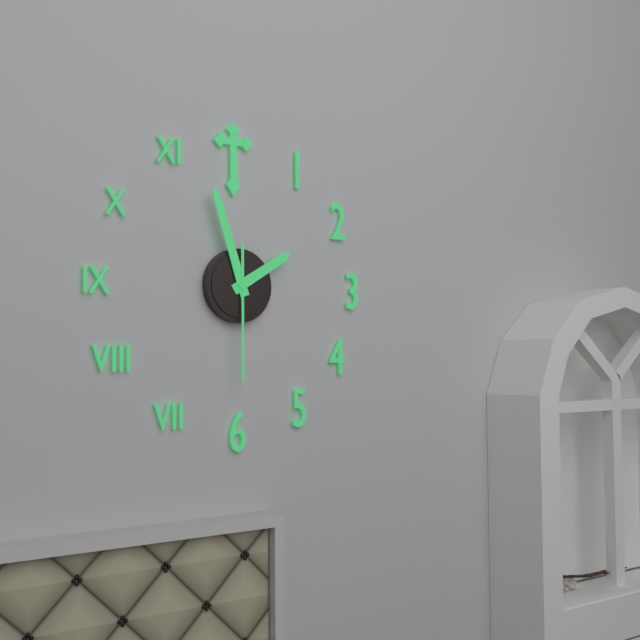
1:57:30
